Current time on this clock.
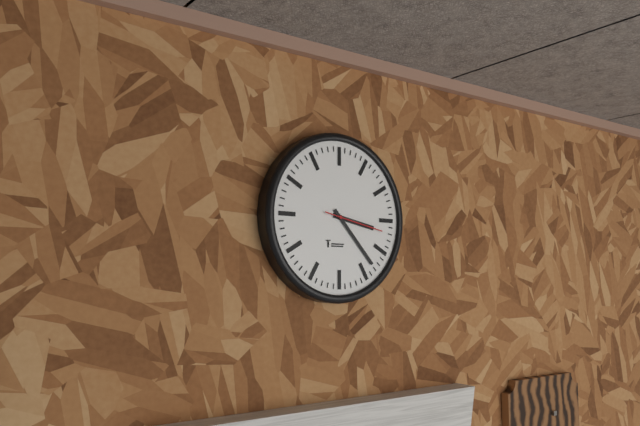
3:23:17
